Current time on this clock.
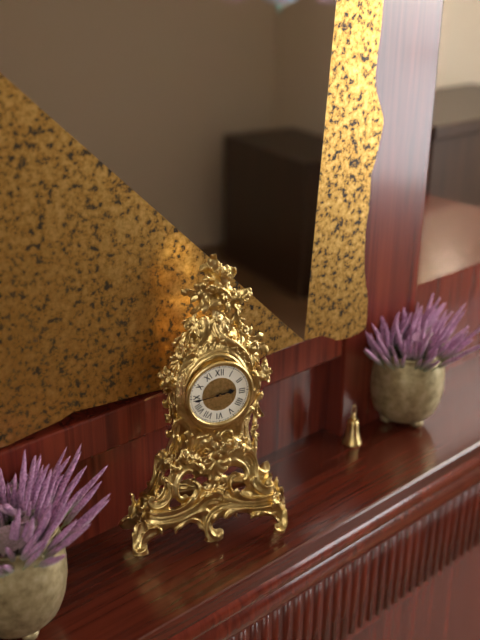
2:44
